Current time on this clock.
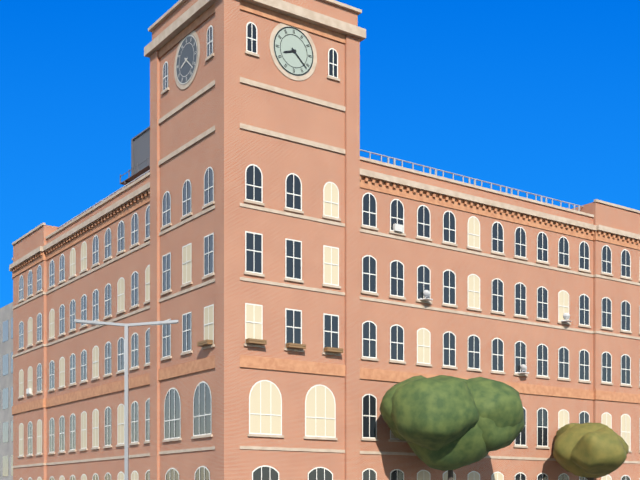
8:22
